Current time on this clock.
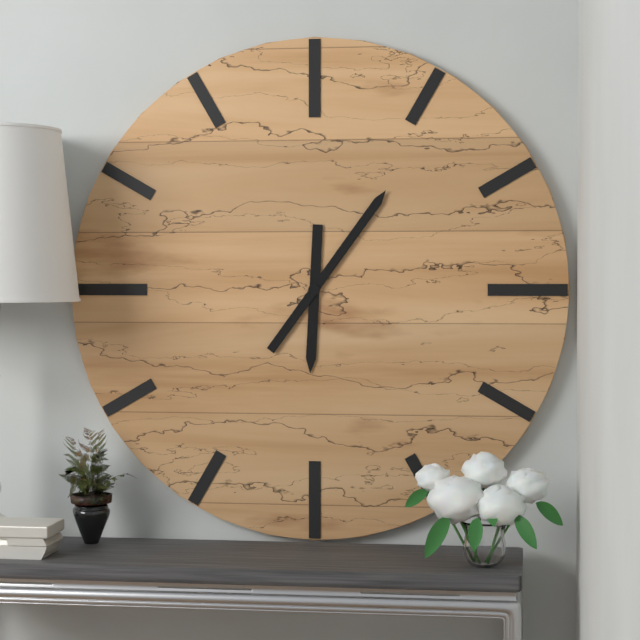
6:06
